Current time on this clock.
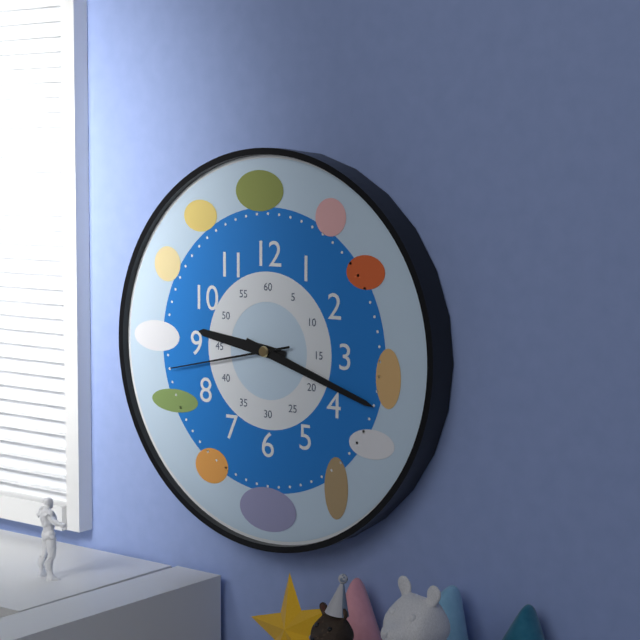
9:18:43
